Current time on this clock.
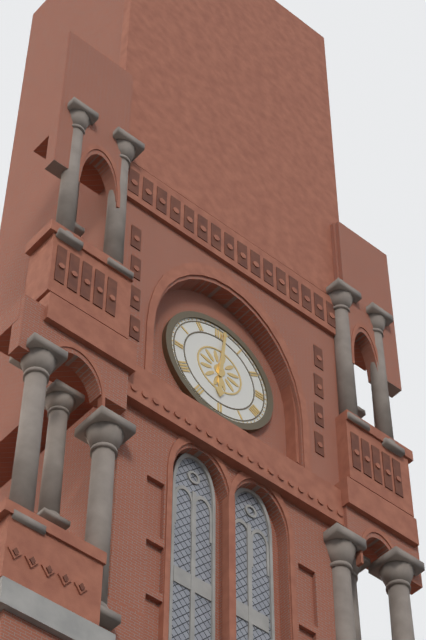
6:01
